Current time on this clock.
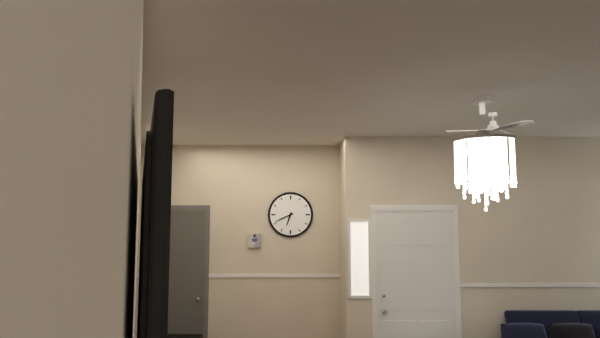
6:41
